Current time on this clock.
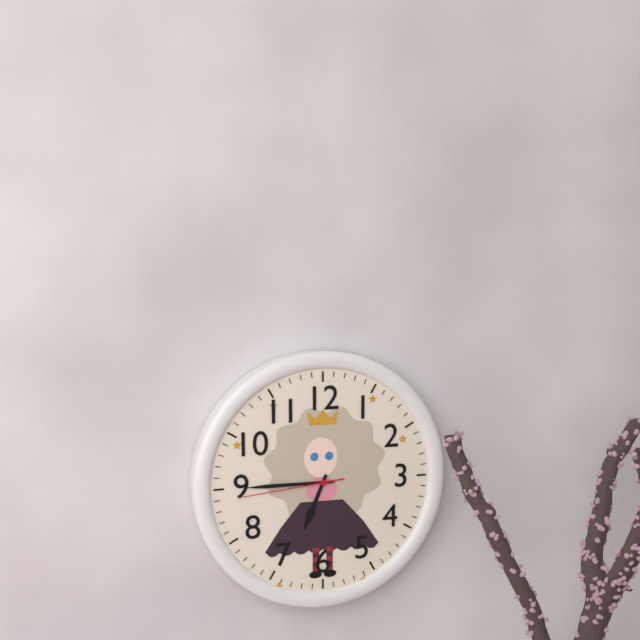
6:45:44
